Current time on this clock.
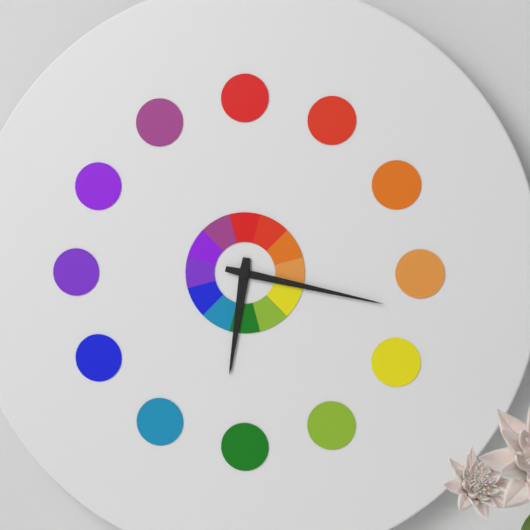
6:17
